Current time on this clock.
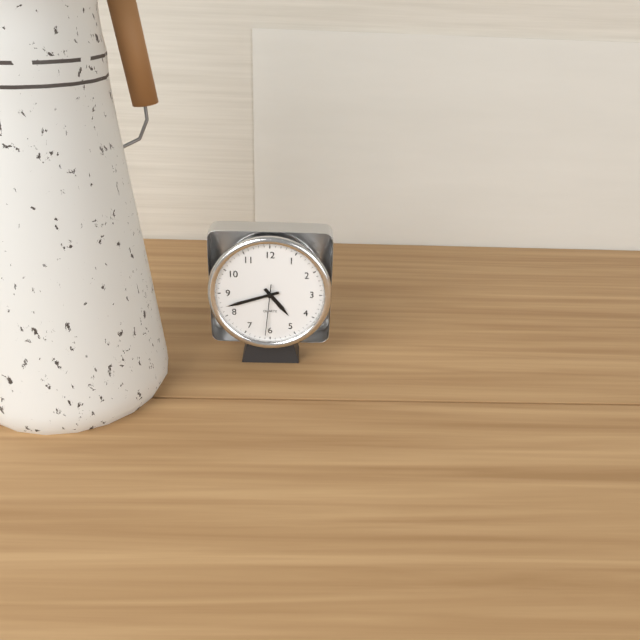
4:42:31
